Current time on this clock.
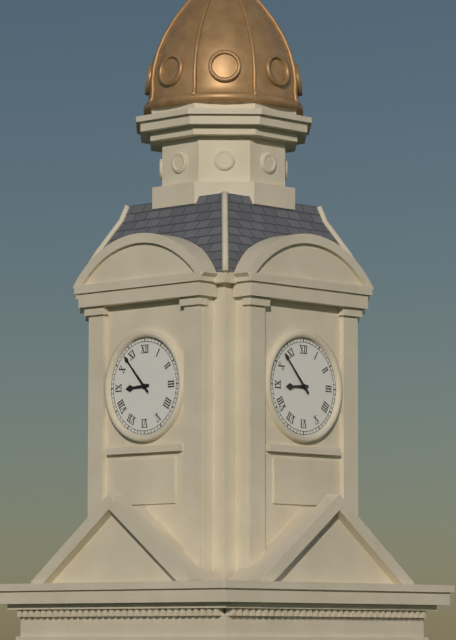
8:53
